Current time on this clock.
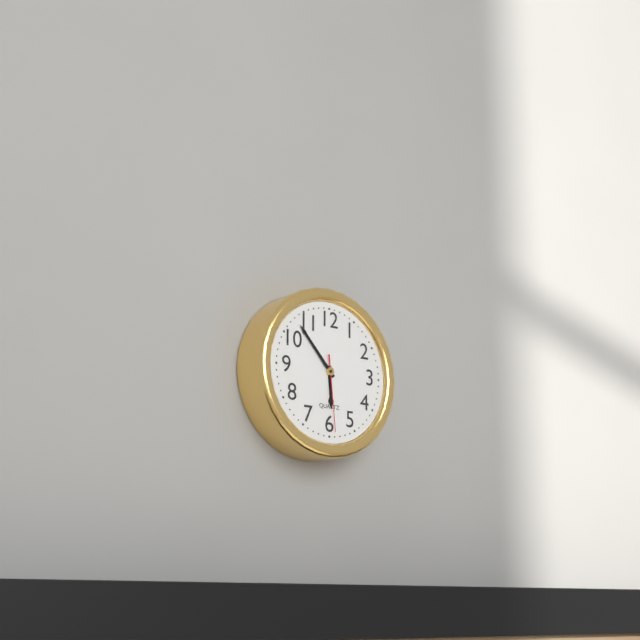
5:53:29
